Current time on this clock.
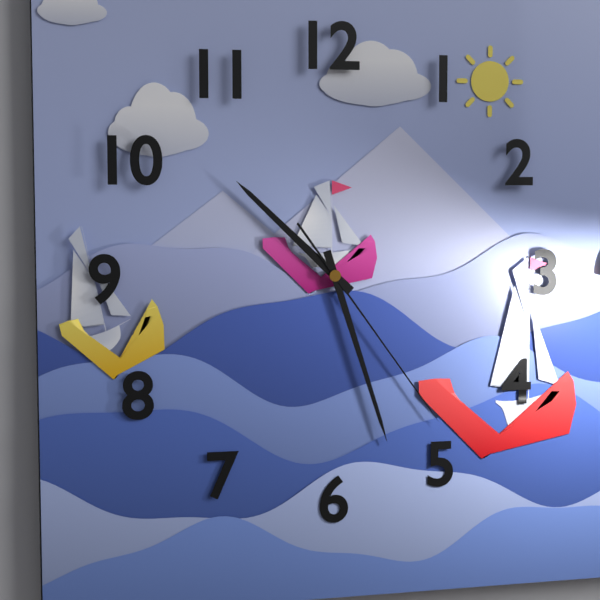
10:27:24
